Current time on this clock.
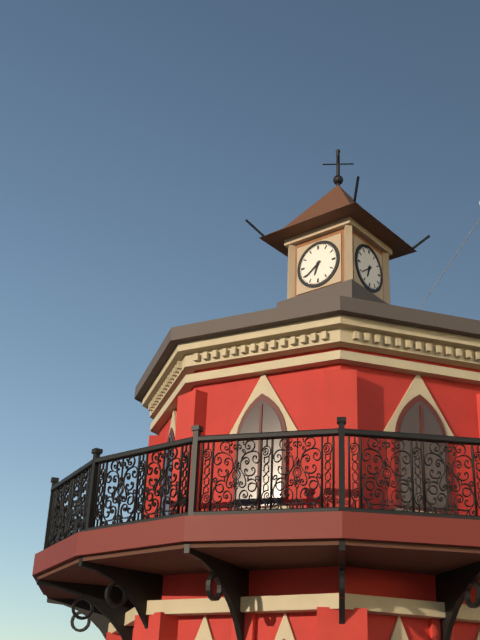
6:39
